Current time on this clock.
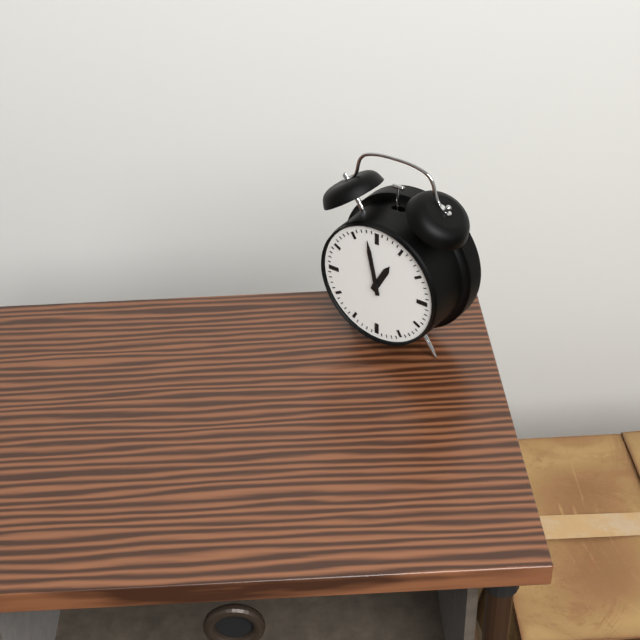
12:58
